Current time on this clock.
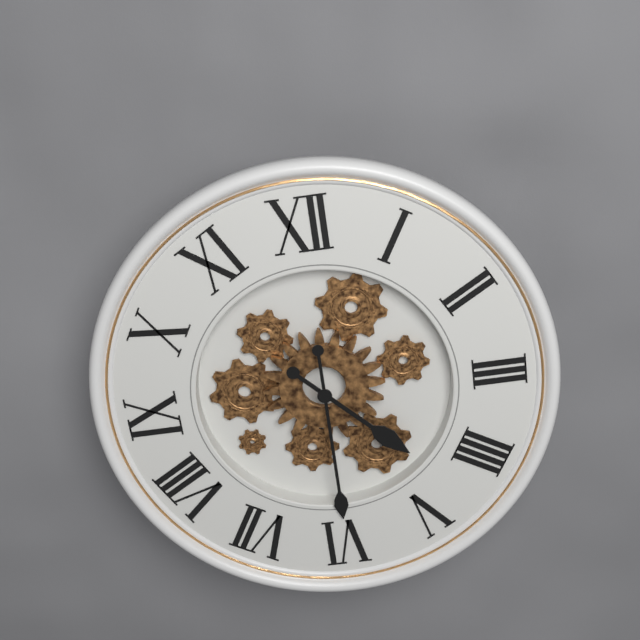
4:30
